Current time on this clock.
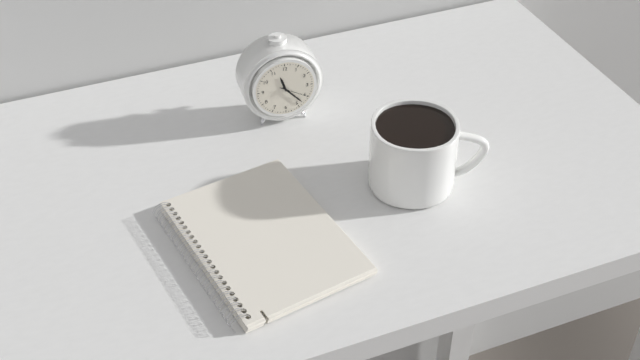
11:23
